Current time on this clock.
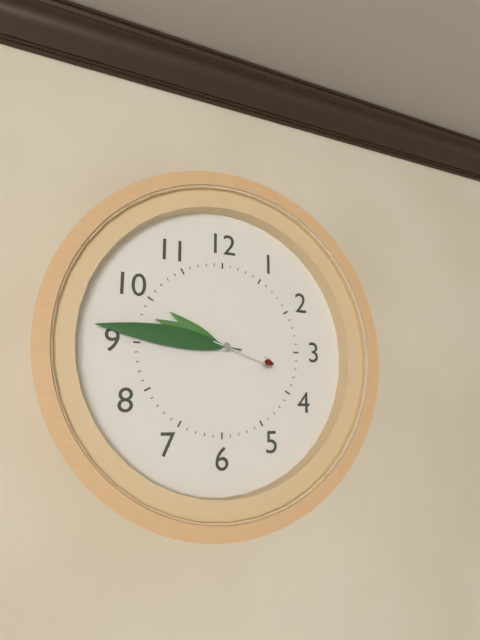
9:46:18
